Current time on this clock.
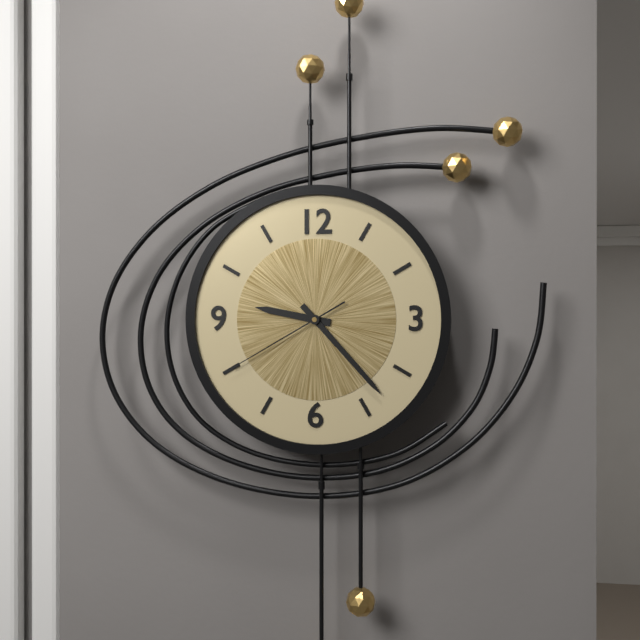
9:23:40
